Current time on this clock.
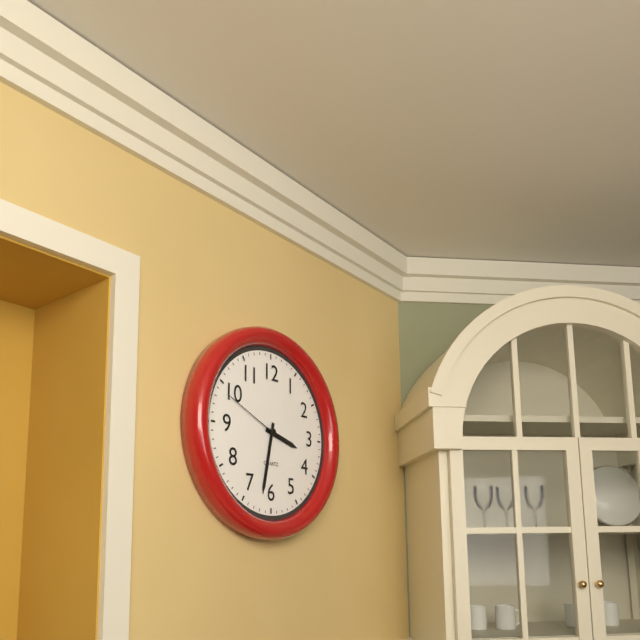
3:32:49
